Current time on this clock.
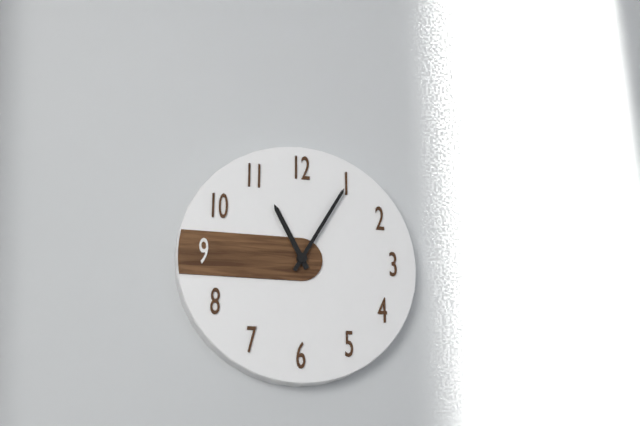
11:05
